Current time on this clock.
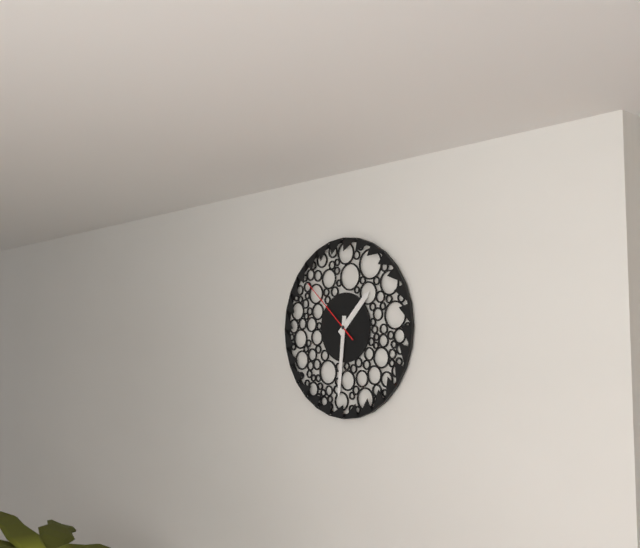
1:31:52
